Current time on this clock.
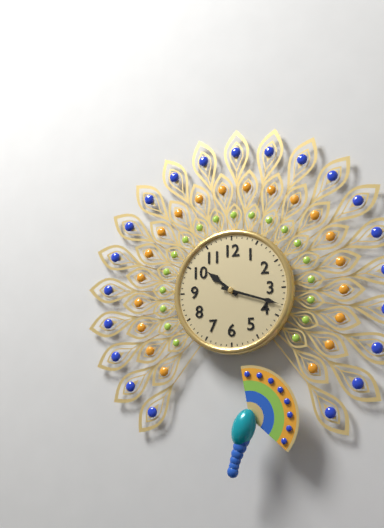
10:18
